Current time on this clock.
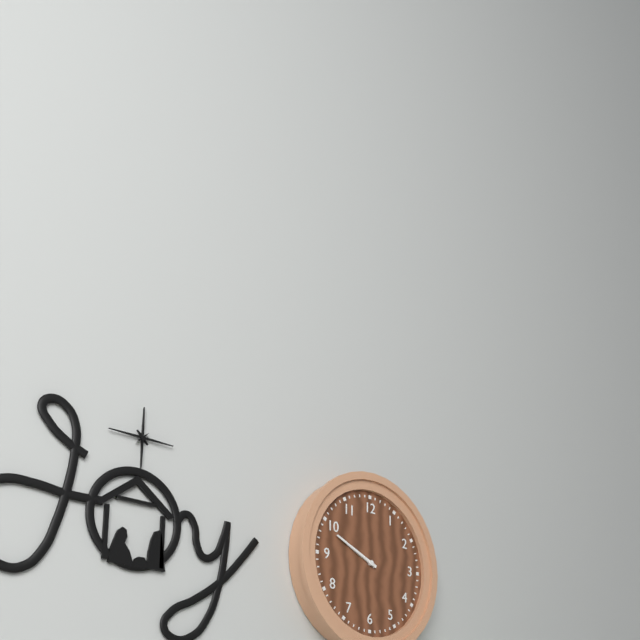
9:49
